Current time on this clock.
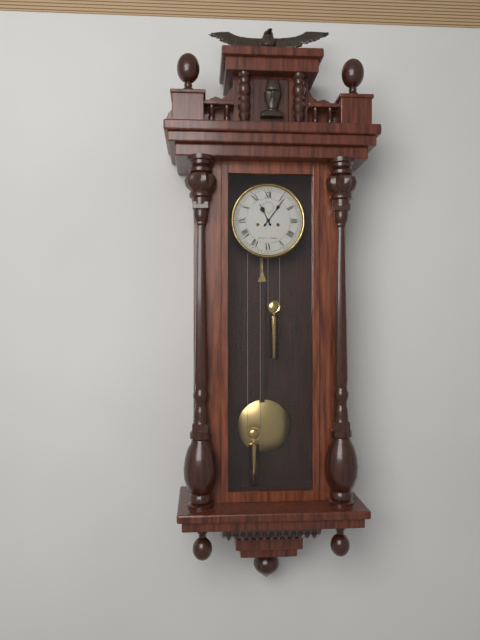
11:06
